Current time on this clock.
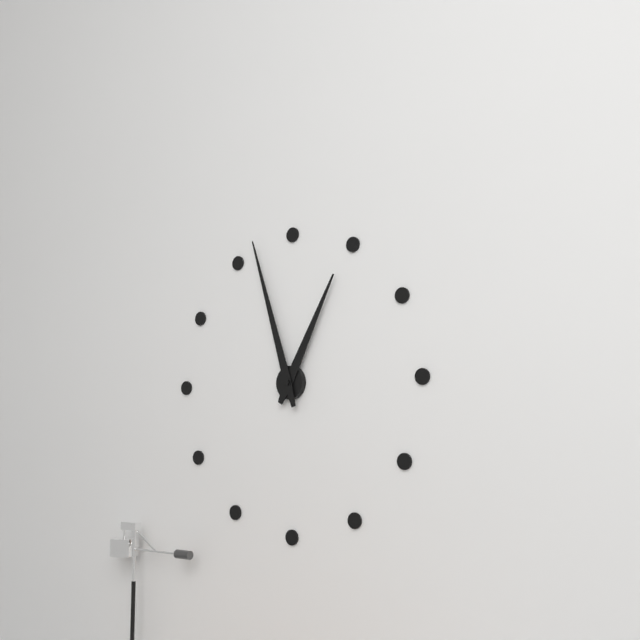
12:57
